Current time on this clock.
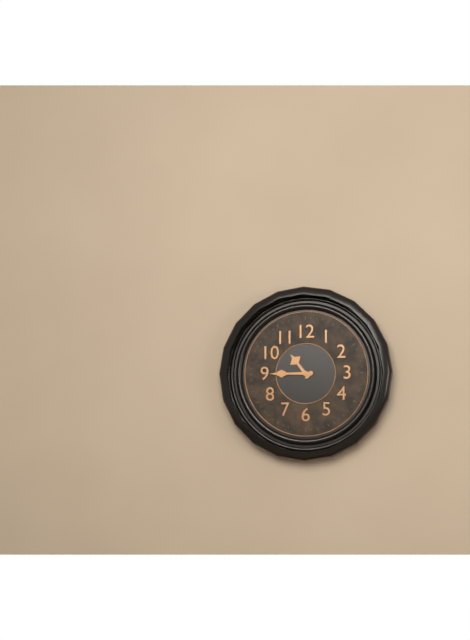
10:45
